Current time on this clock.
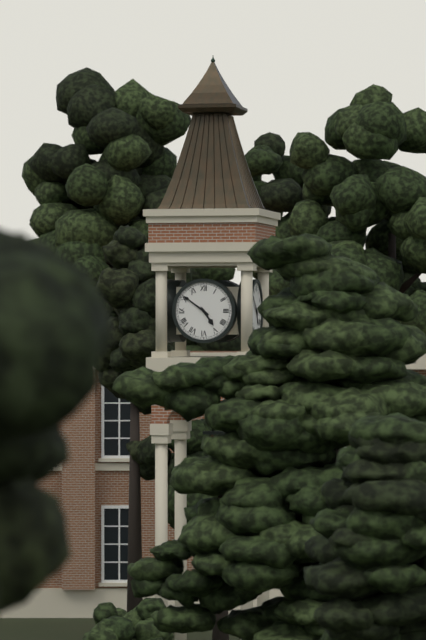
4:51
